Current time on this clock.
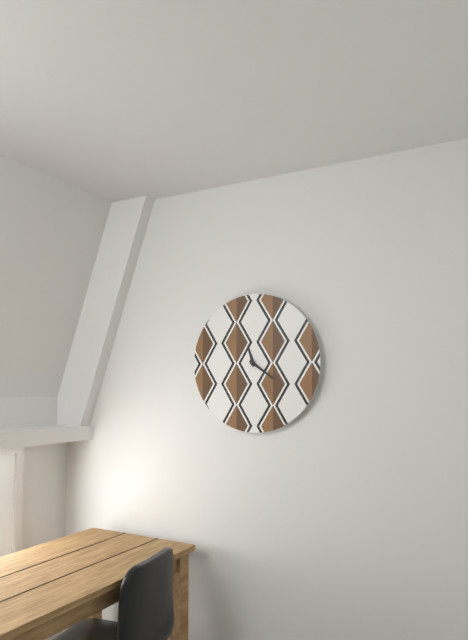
11:21
